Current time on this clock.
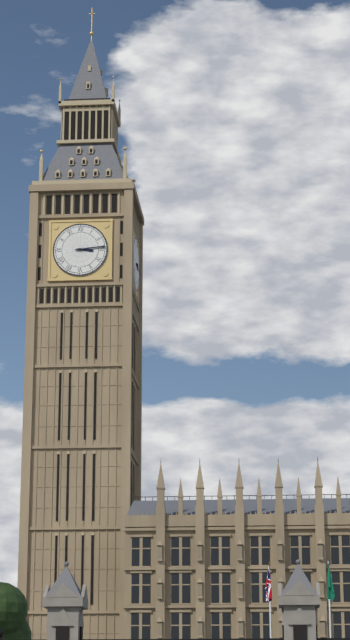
3:14
